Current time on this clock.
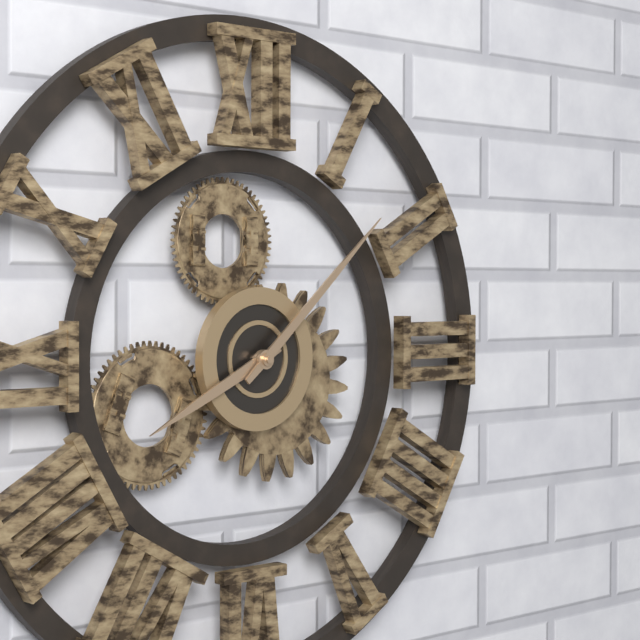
8:08
